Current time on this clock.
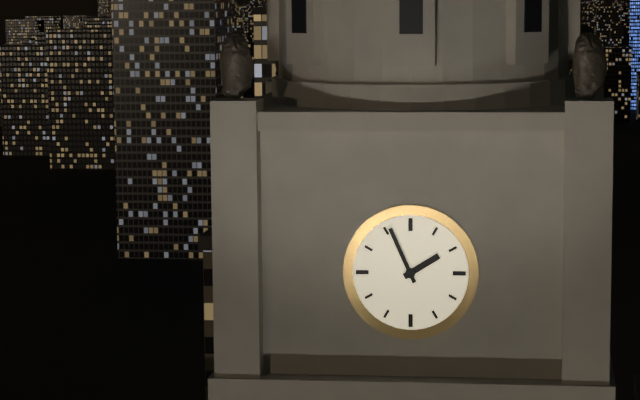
1:56
